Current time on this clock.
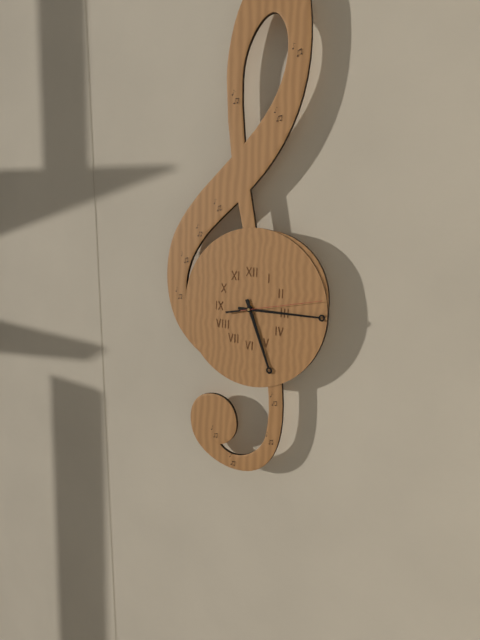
5:15:13
